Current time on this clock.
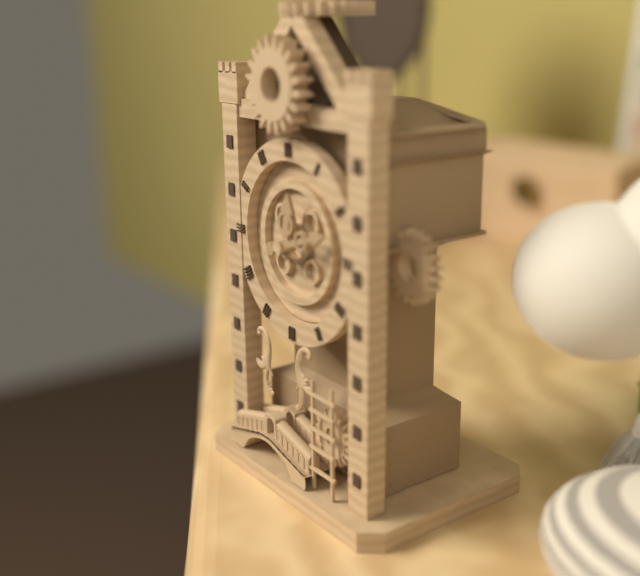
12:12
